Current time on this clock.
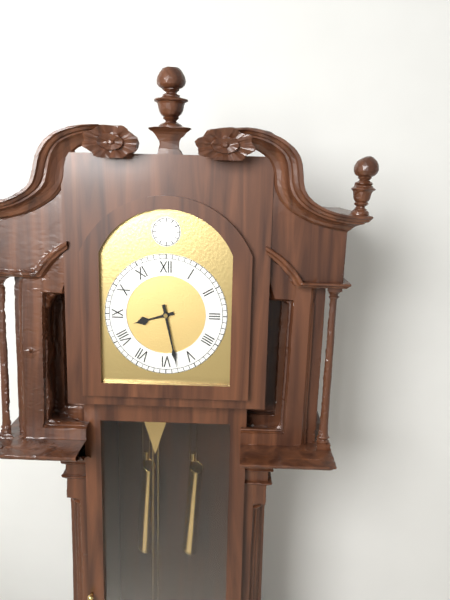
8:28
